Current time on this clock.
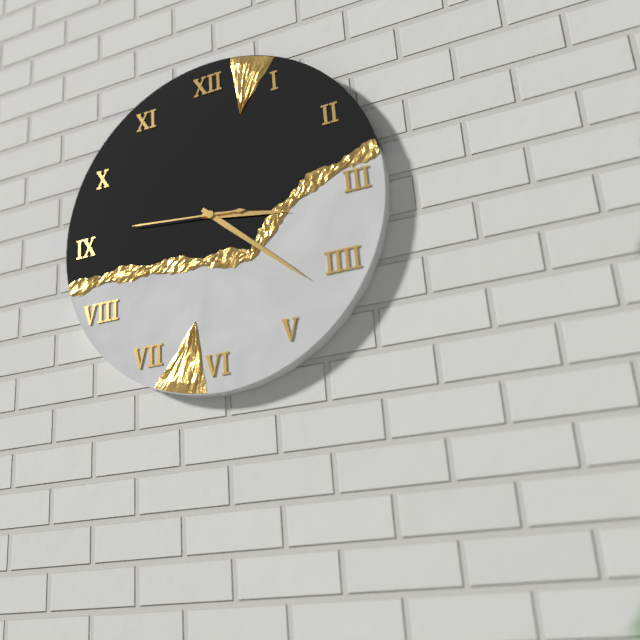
3:22:46
